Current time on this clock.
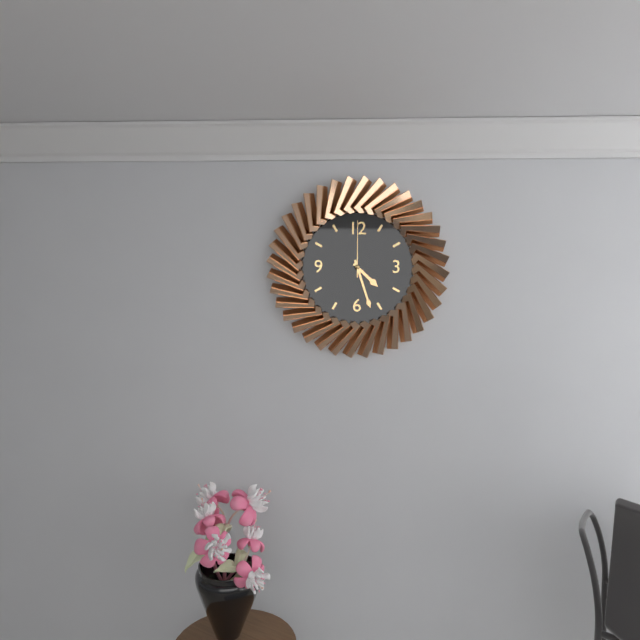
4:27:00
